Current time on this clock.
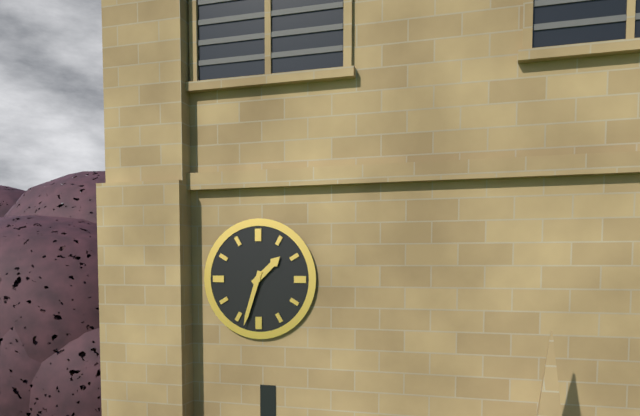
1:33
